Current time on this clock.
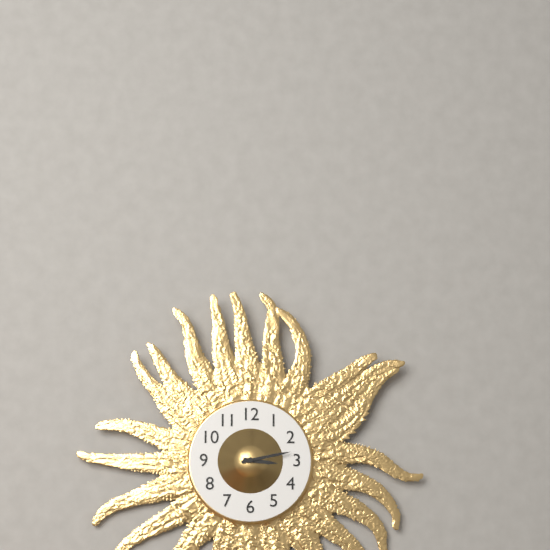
3:13
